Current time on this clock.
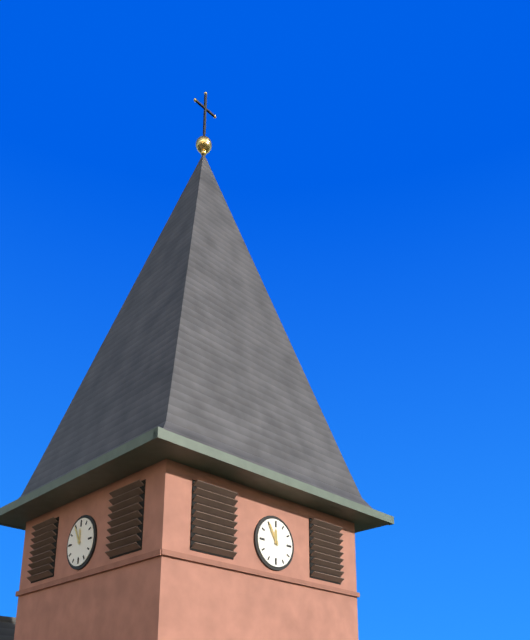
11:55
